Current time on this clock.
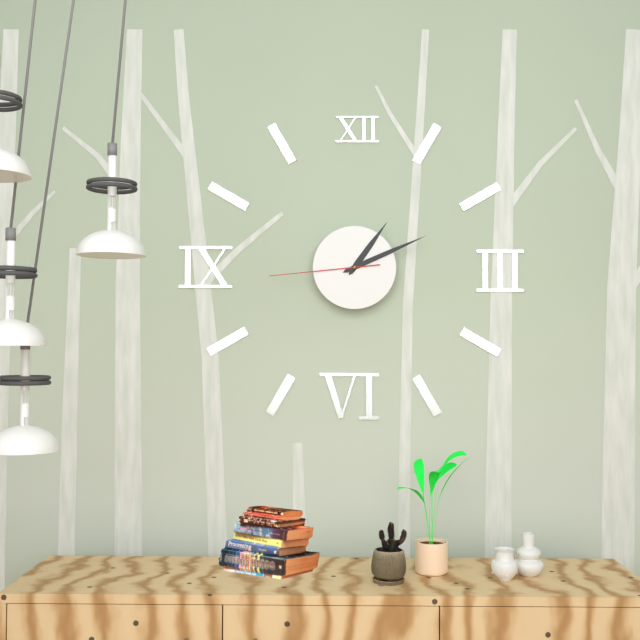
1:11:44
